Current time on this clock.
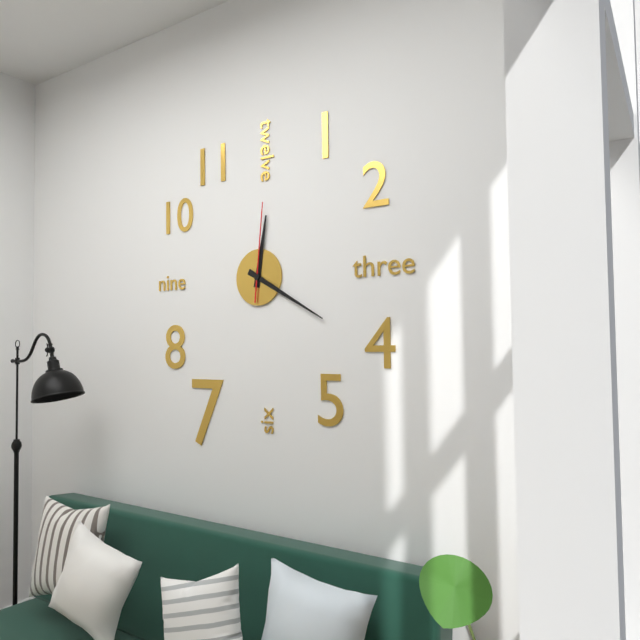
12:20:01
